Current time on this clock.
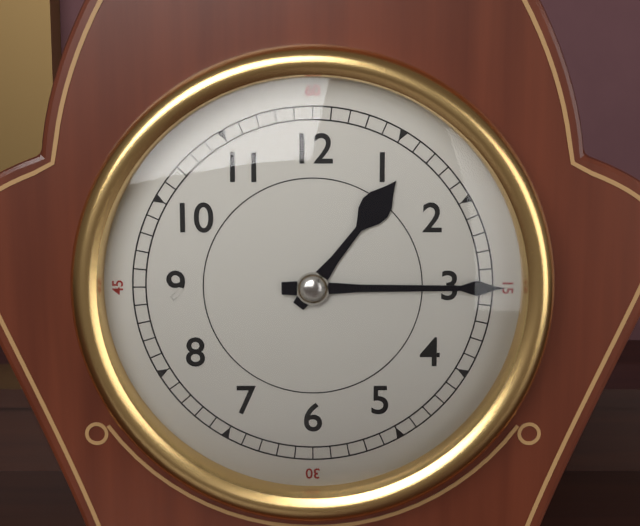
1:15
